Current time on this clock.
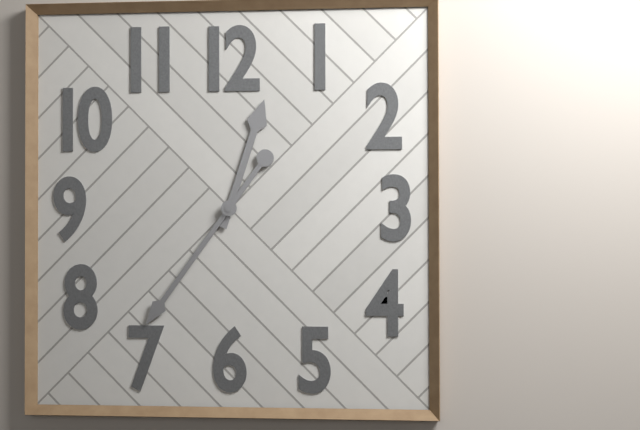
12:36
